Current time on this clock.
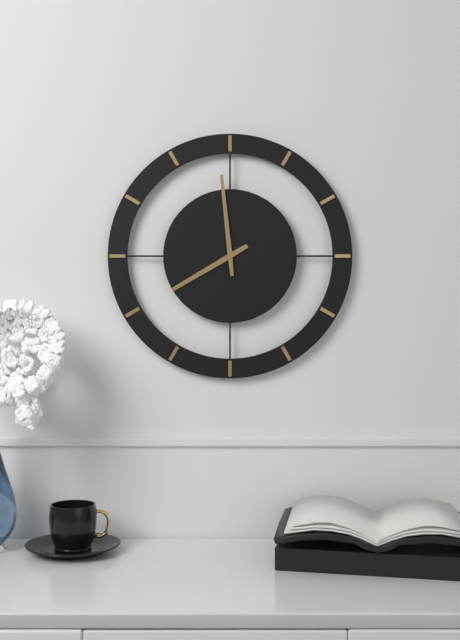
7:59
